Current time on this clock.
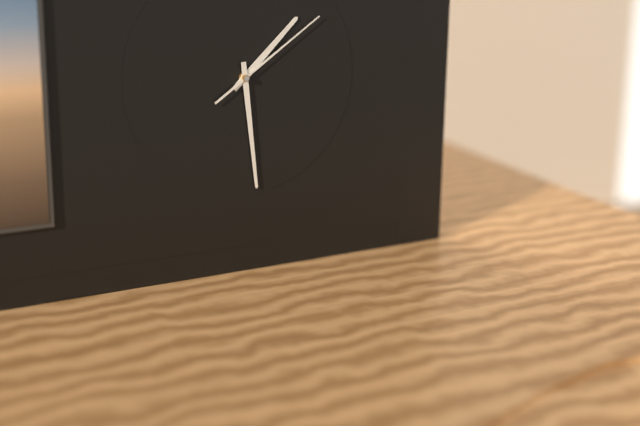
1:29:09
